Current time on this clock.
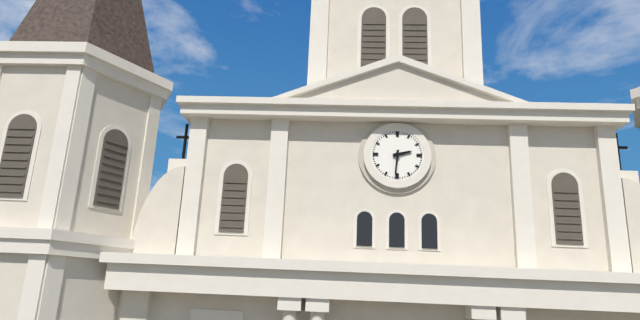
2:31
